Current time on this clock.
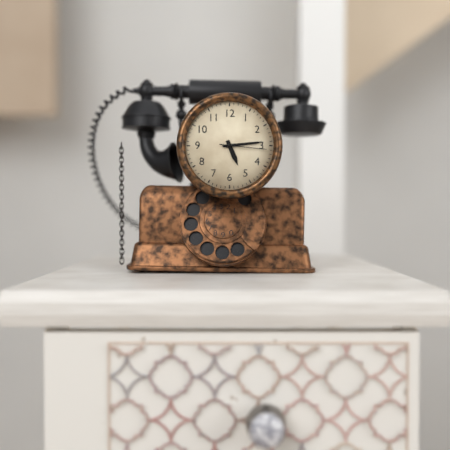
5:14
